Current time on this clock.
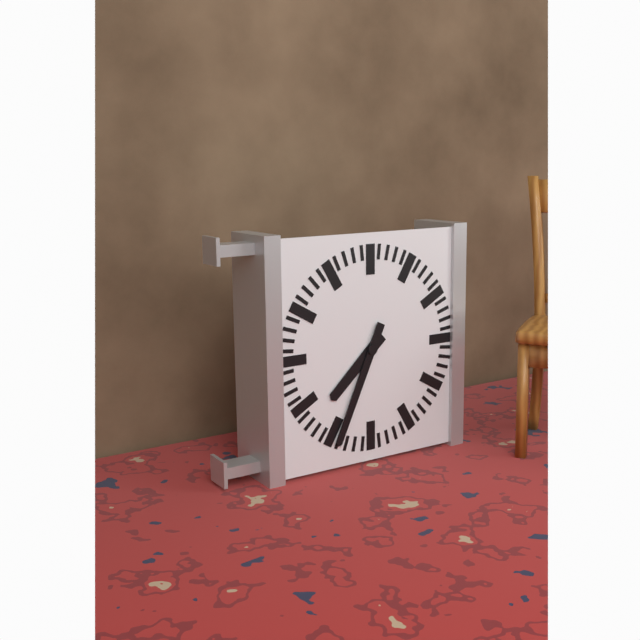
7:34
